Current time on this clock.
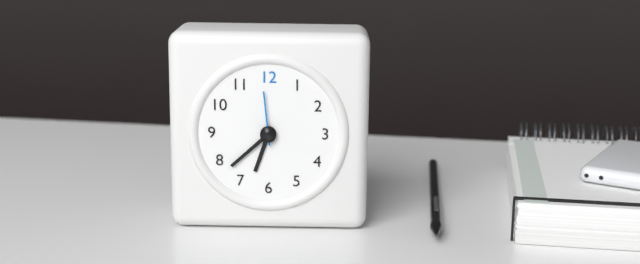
6:38:59
